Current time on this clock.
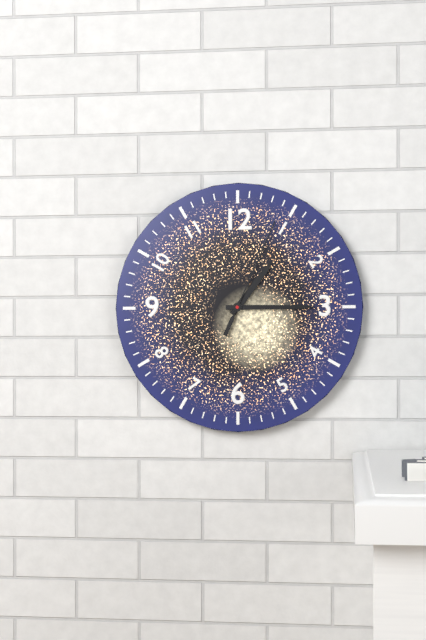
1:15:04
